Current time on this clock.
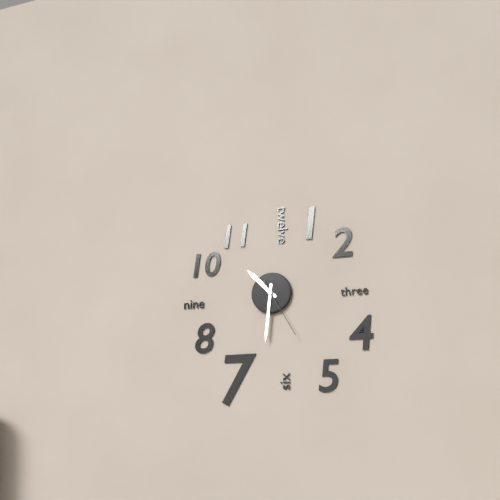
10:31:25
